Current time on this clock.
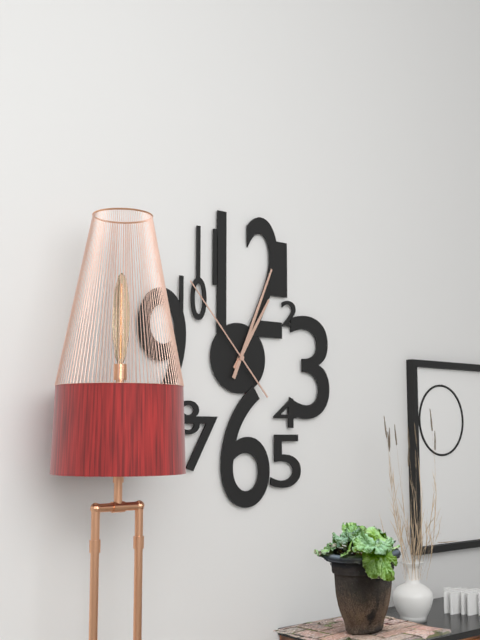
1:04:53
